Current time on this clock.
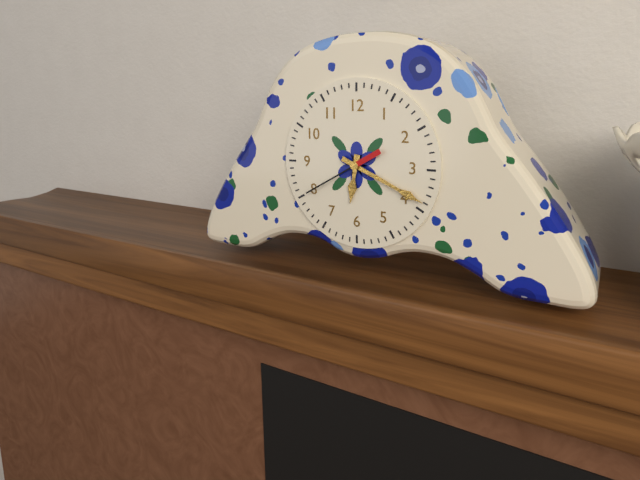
6:19:40
